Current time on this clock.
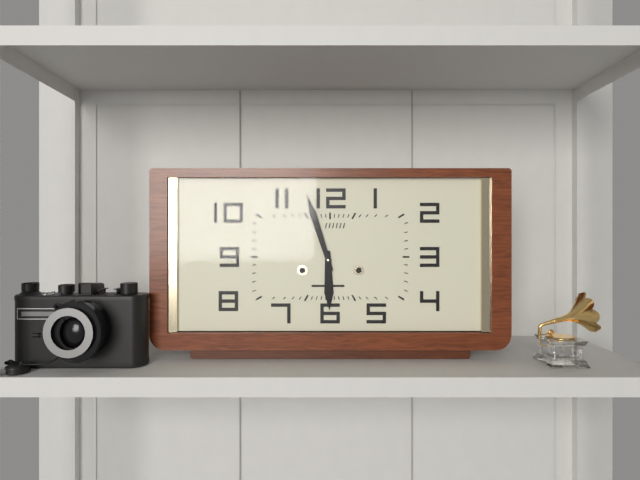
5:57
